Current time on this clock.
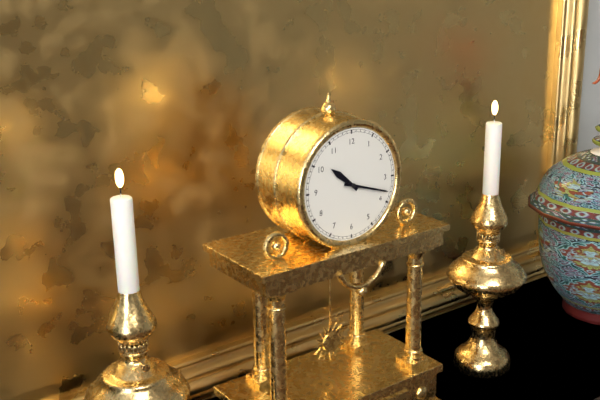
10:18
